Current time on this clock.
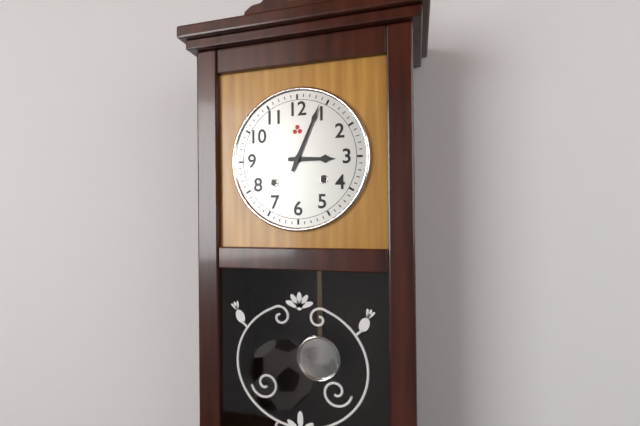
3:04
